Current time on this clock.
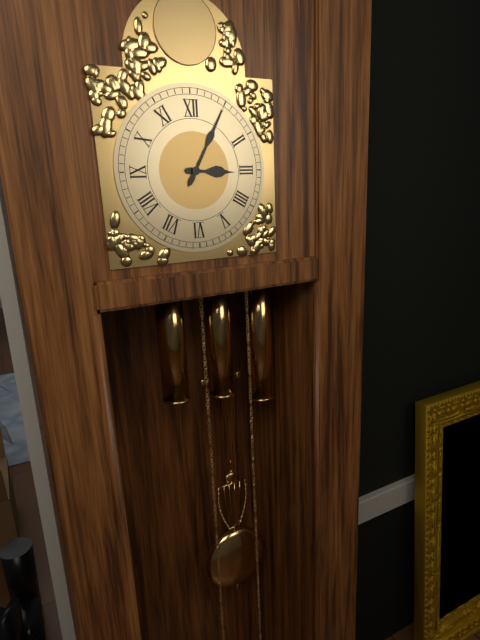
3:05
